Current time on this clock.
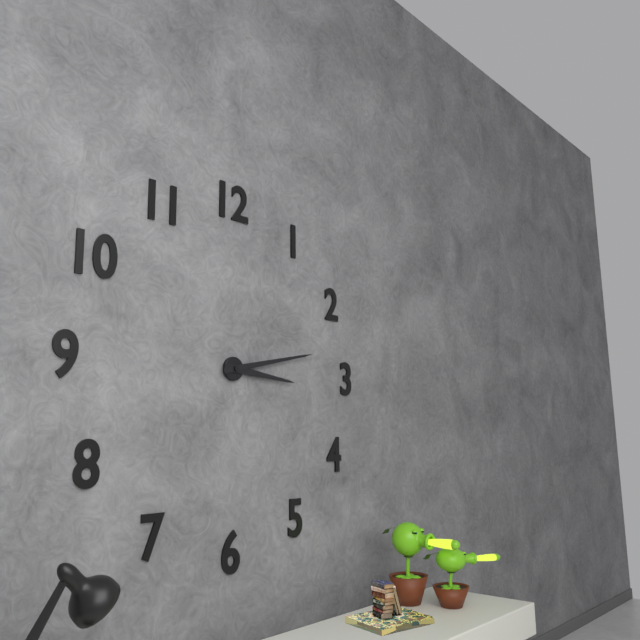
3:13
